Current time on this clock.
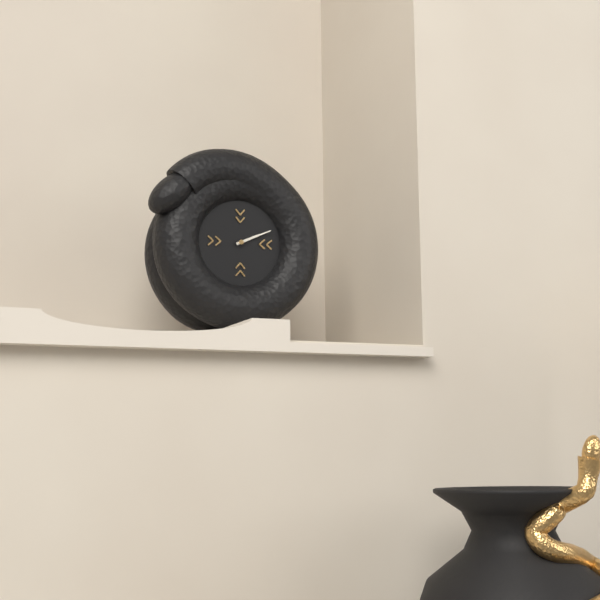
2:11
